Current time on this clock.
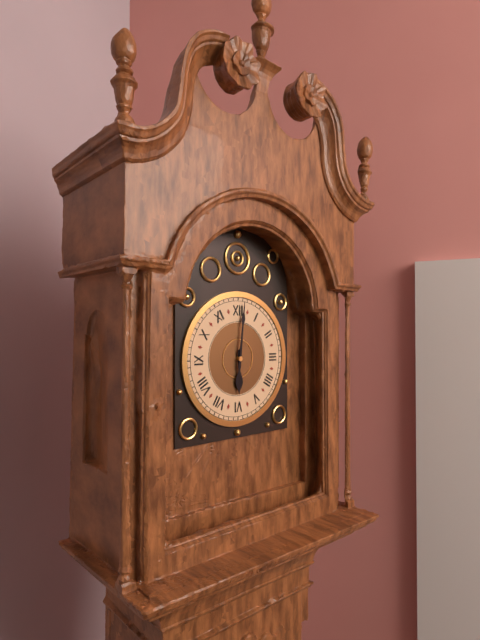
6:01
